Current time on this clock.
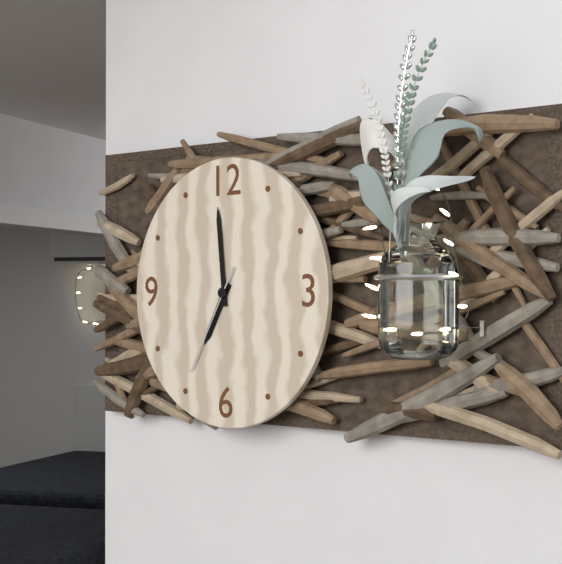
6:59:35
